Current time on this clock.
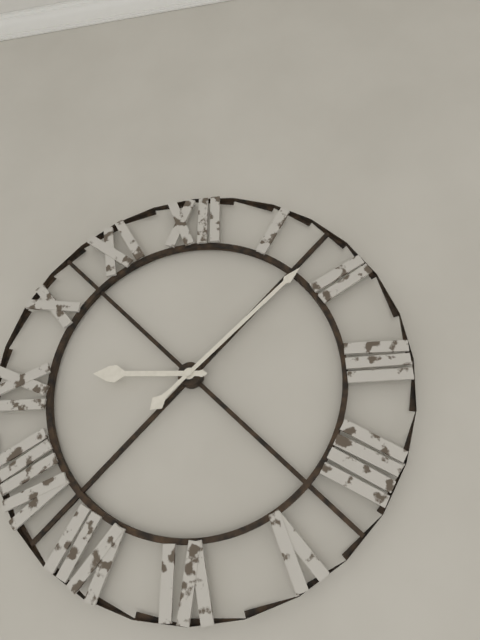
9:08
